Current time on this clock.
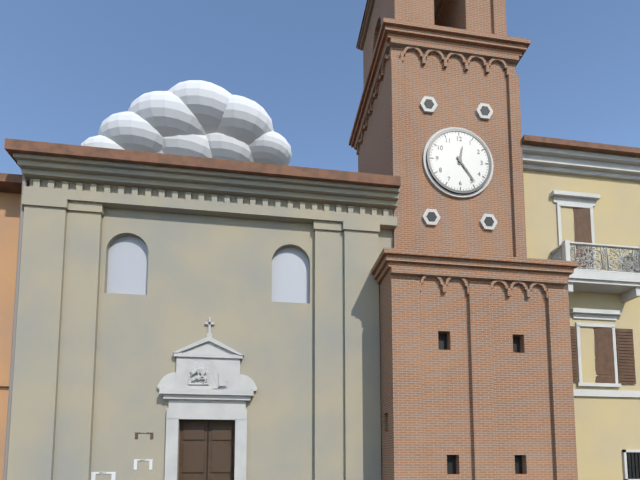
12:24
